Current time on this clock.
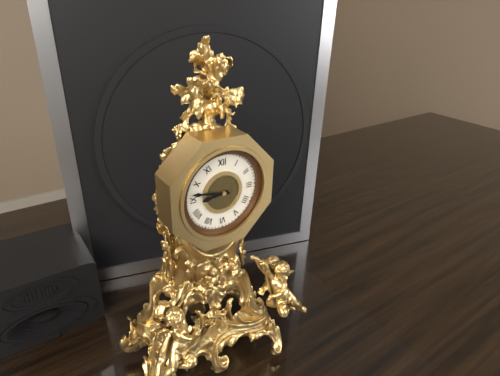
8:47
